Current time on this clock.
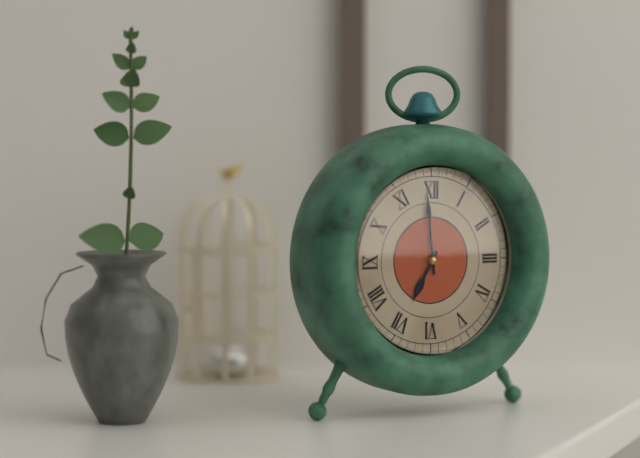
6:59
